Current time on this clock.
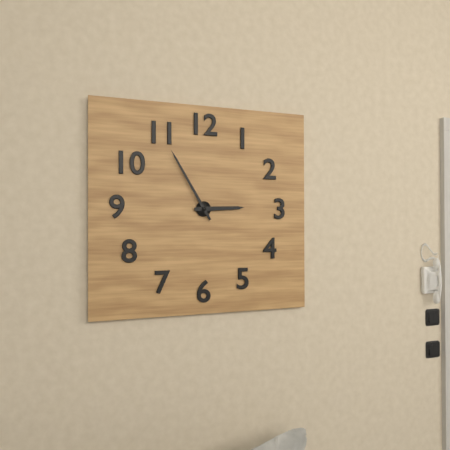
2:55
